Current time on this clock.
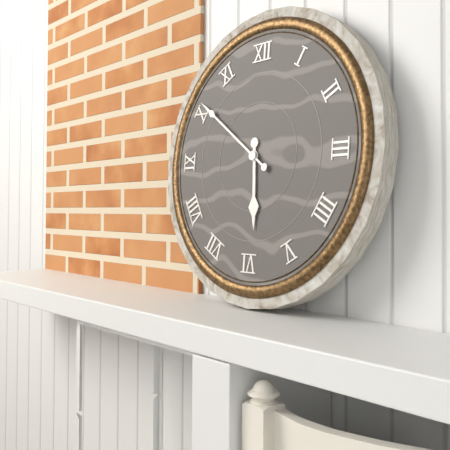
5:51
